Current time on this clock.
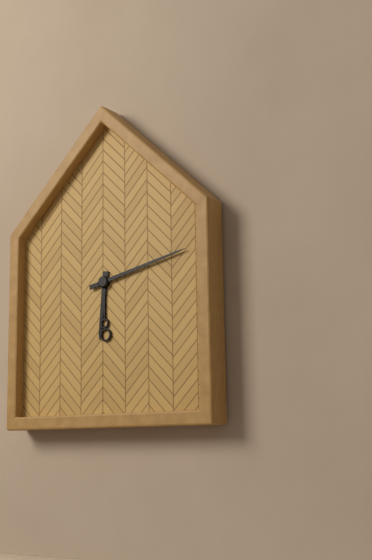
6:13
